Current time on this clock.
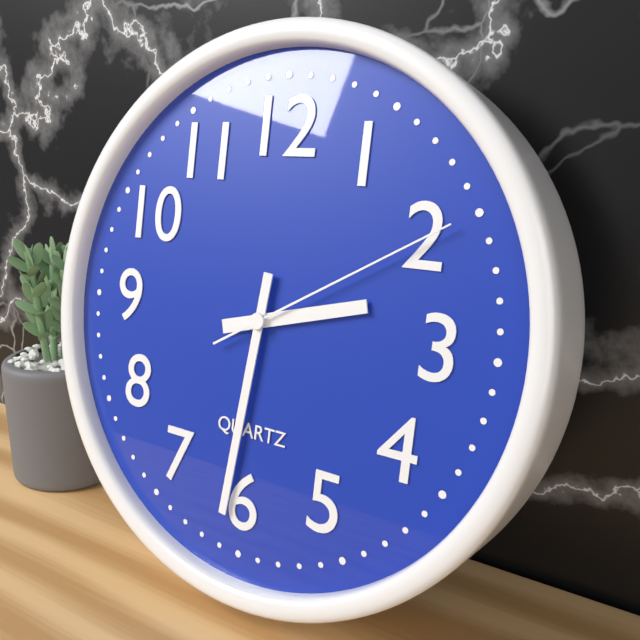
2:31:10
